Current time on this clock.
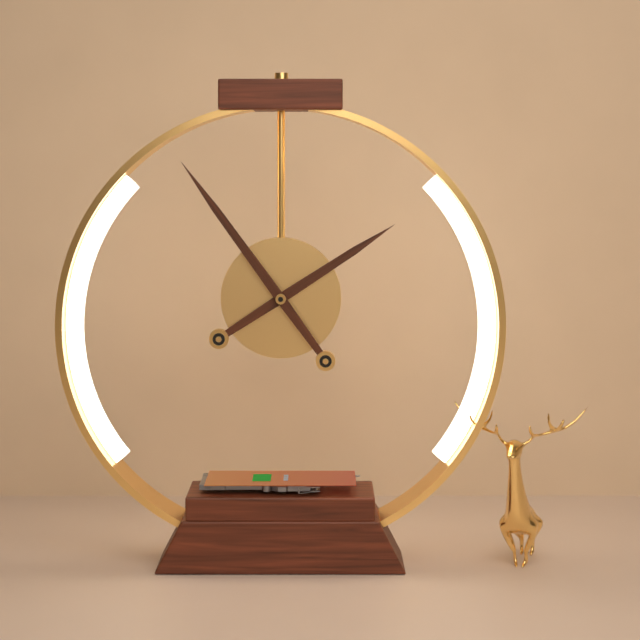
1:54
